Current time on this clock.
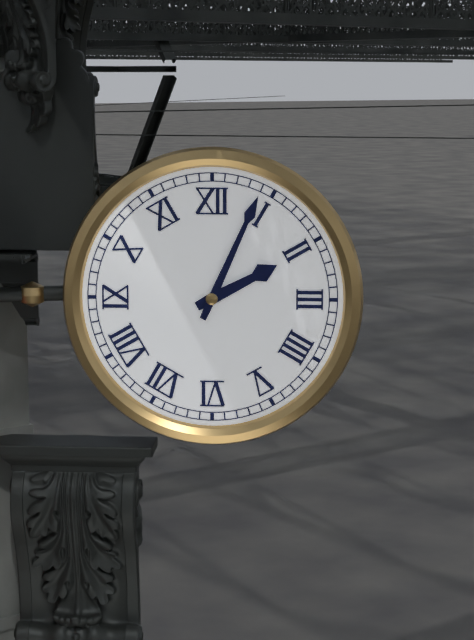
2:04
